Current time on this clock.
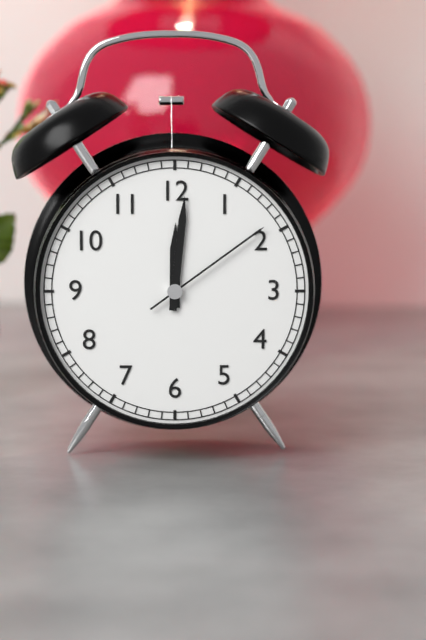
12:01:09
